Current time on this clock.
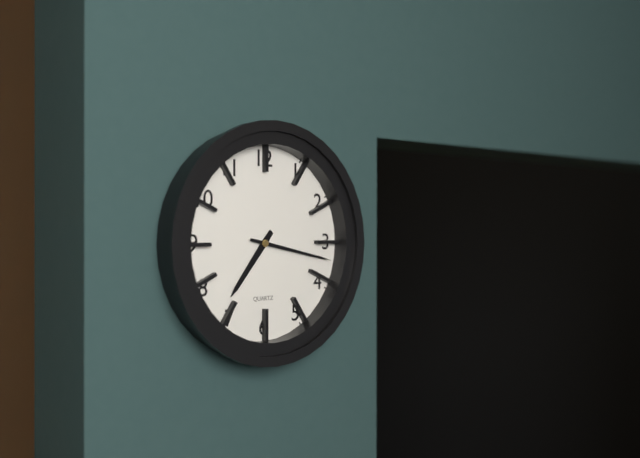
7:17
